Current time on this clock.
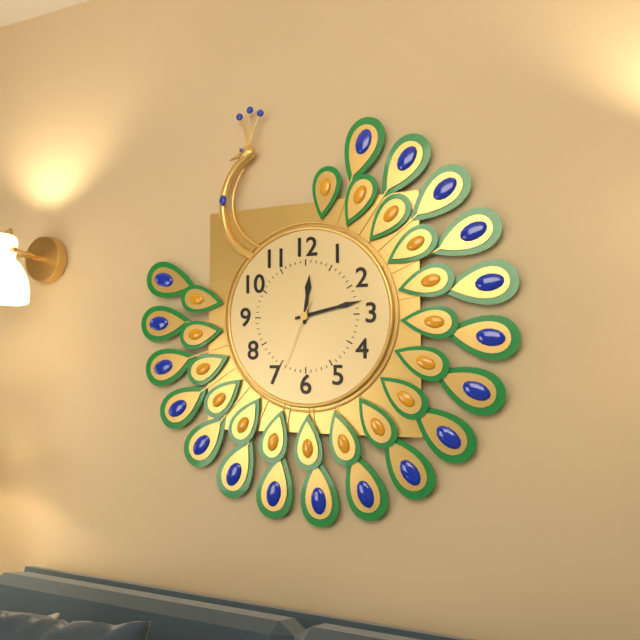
12:13:34
